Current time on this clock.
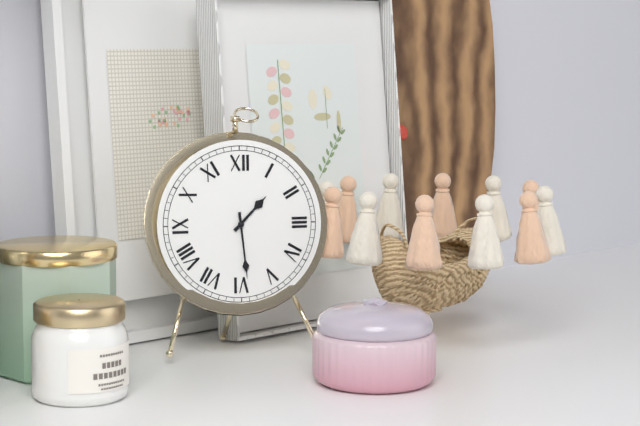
1:29
